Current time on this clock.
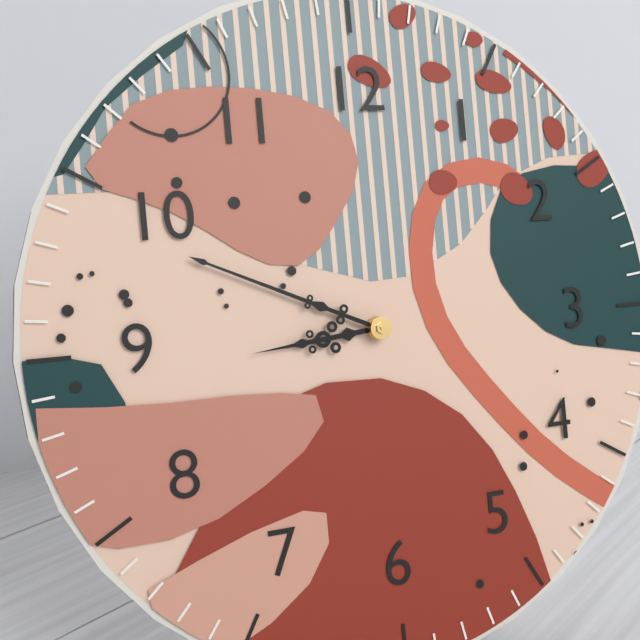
8:49
